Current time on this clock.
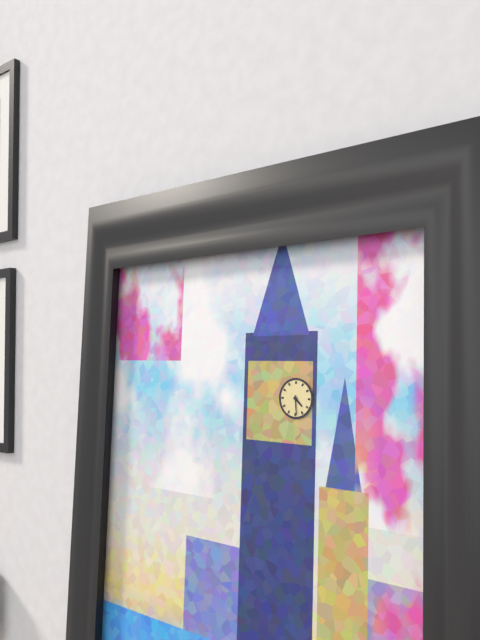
4:29
